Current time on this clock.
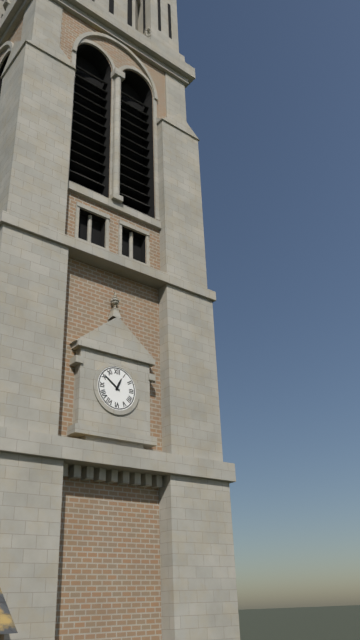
12:51
